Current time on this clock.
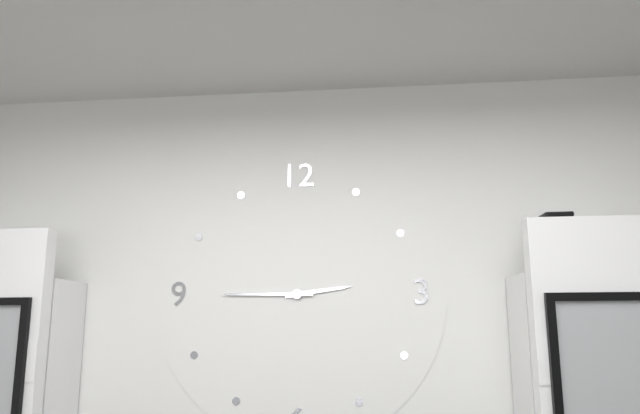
2:45
